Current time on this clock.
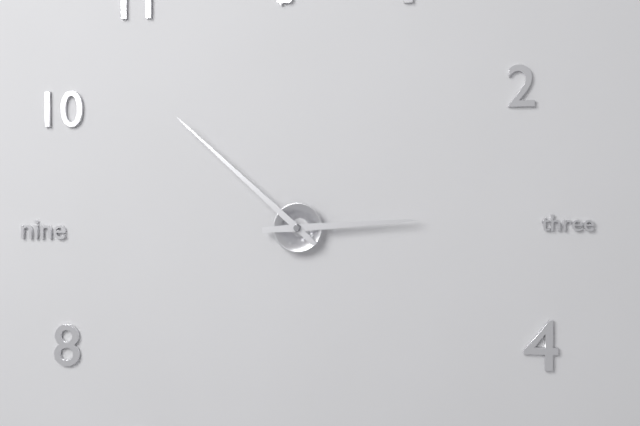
2:52
